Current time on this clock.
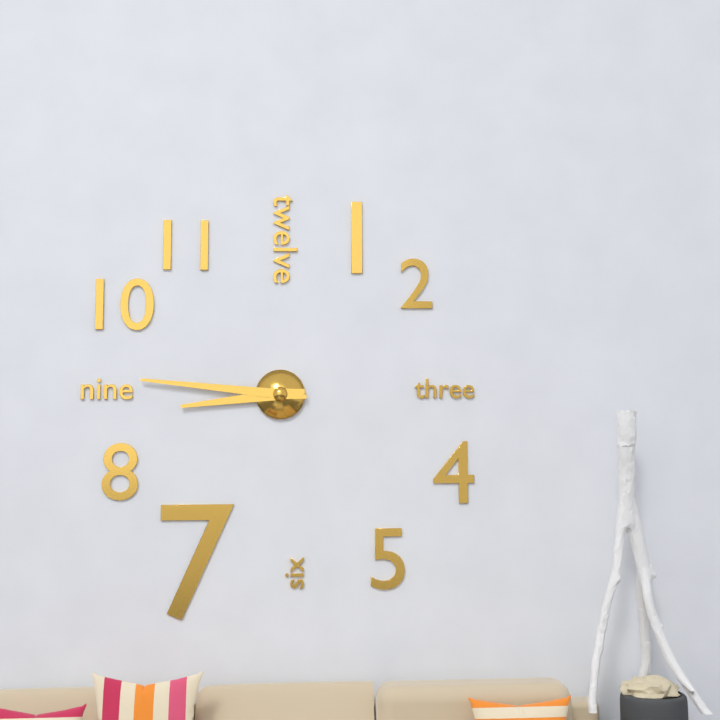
8:46
